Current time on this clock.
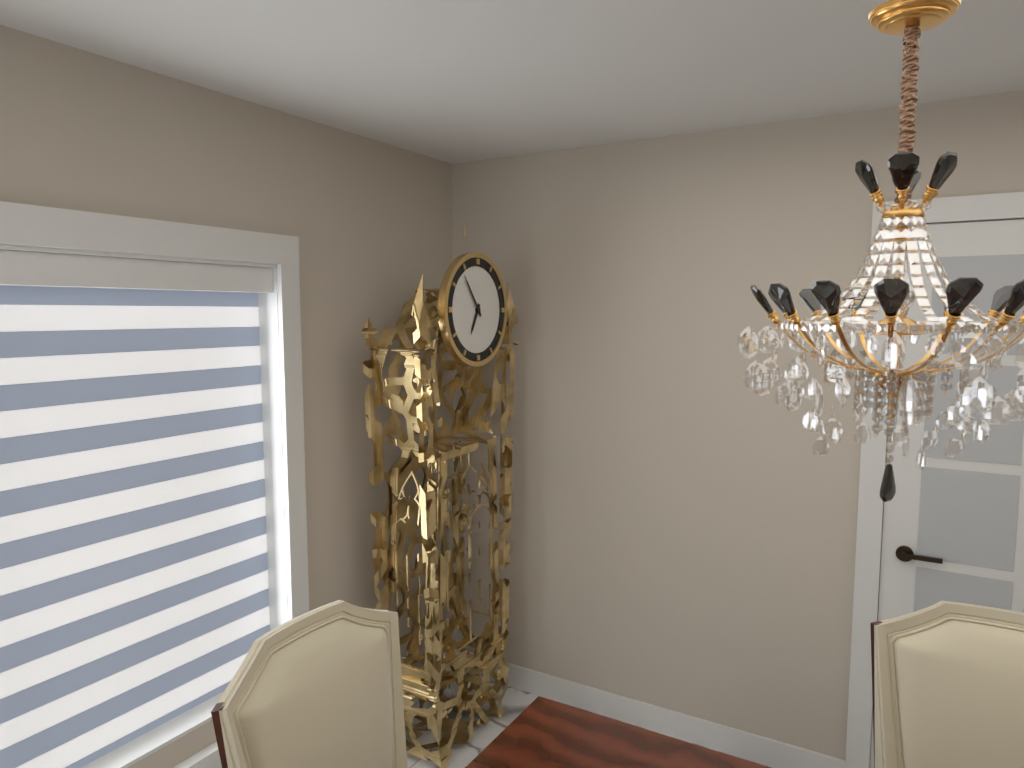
6:54
